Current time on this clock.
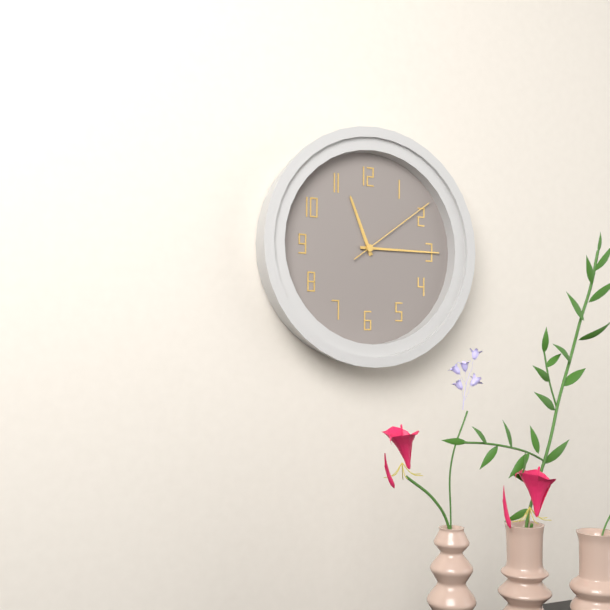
11:15:09
